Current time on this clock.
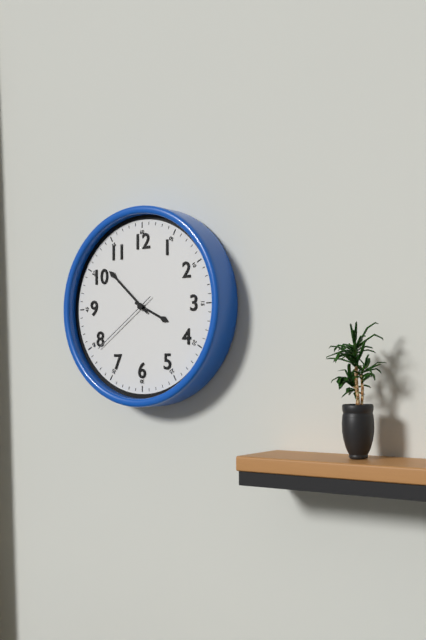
3:52:39
